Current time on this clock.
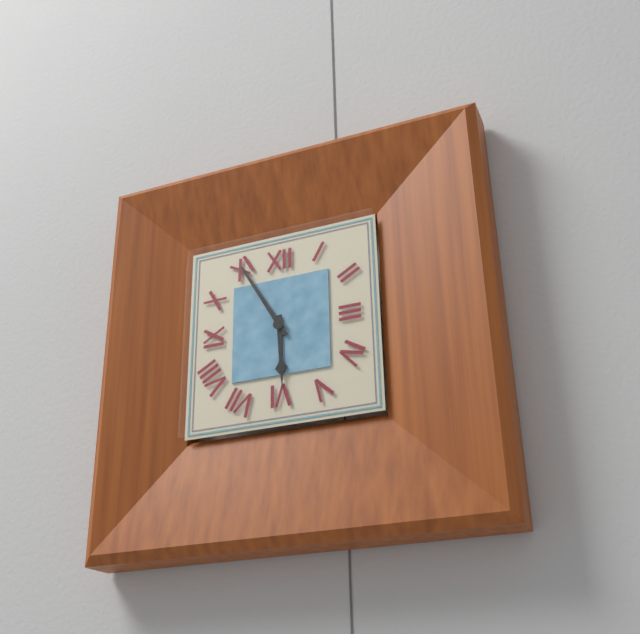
5:55
